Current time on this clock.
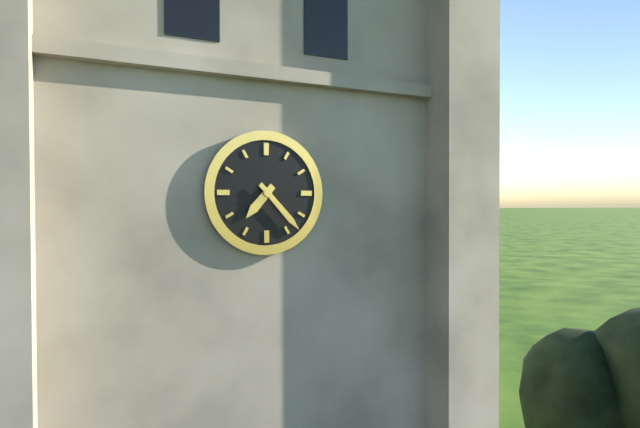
7:23
